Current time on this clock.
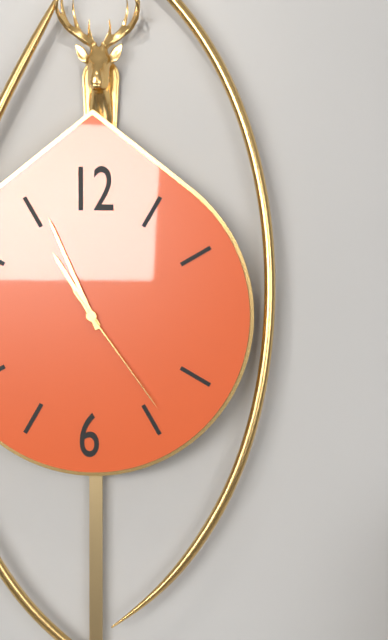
10:56:24
